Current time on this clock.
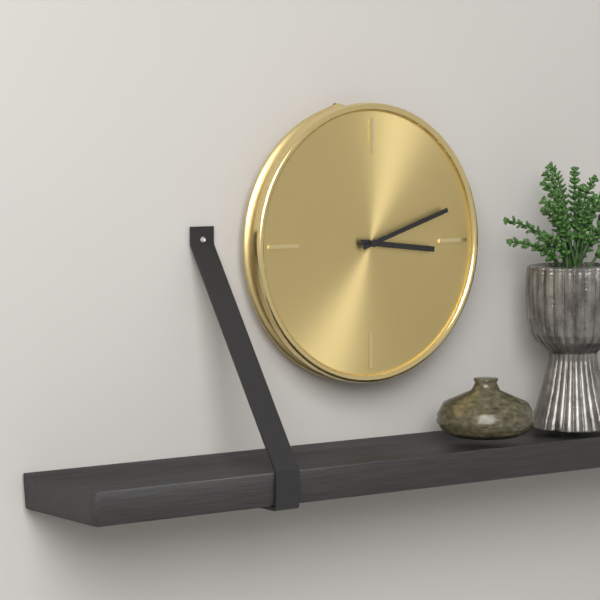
3:12
